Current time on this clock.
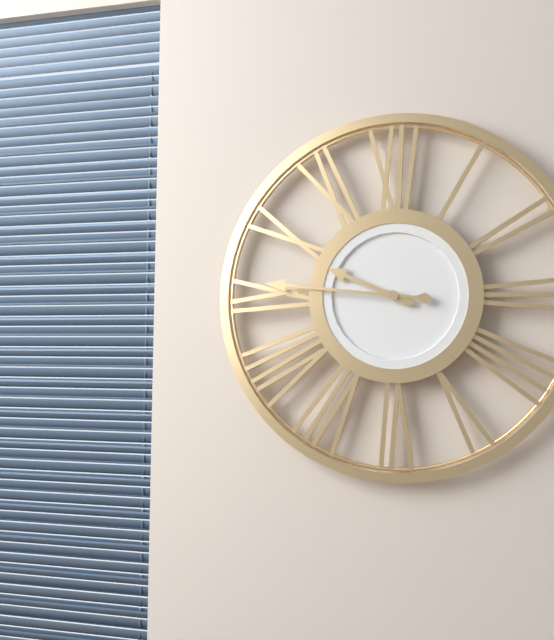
9:46
